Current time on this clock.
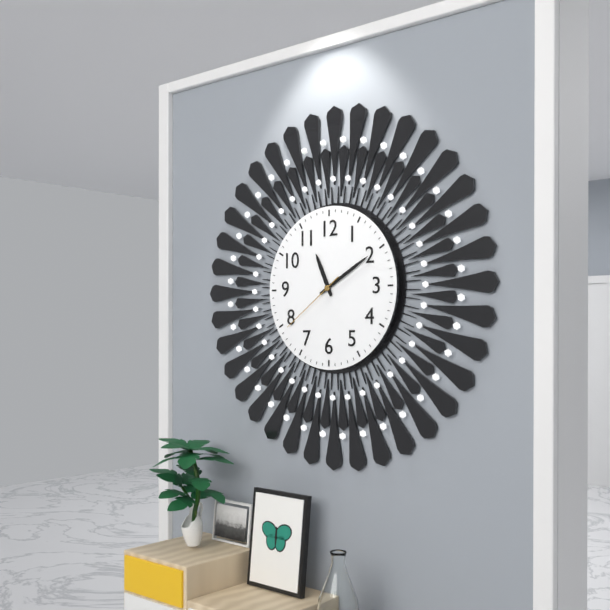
11:10:39
